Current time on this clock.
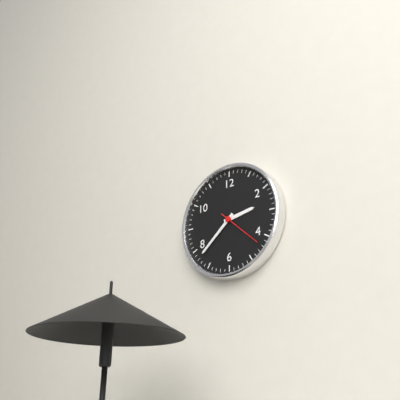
2:38
